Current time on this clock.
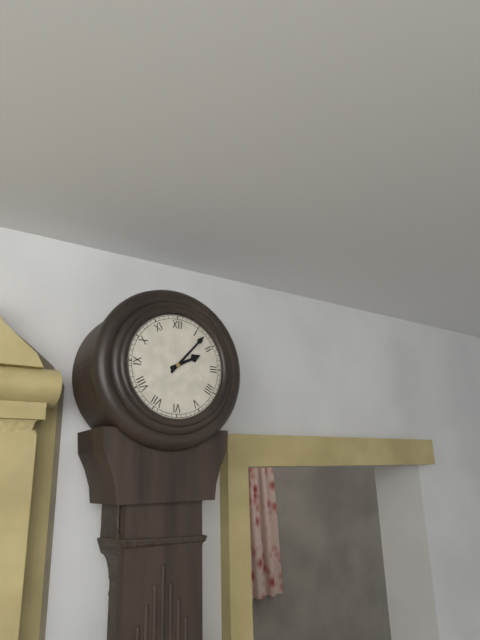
2:07
